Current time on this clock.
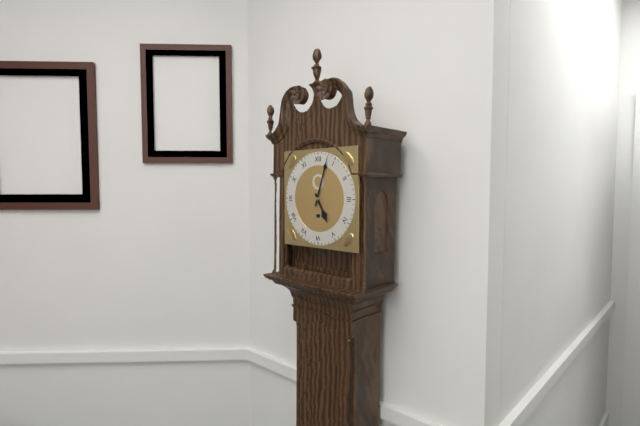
5:03
